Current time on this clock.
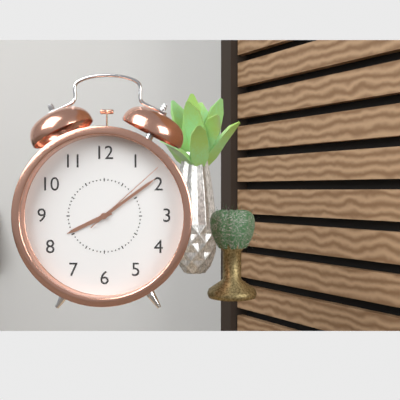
8:09:08
